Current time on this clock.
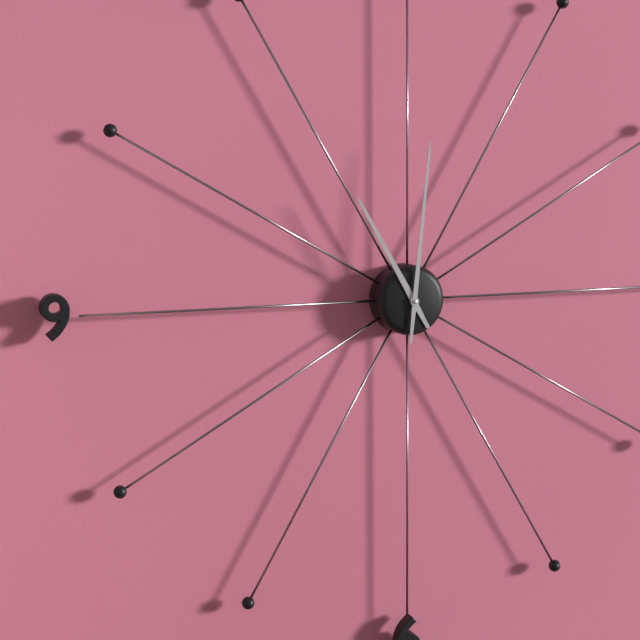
11:01
